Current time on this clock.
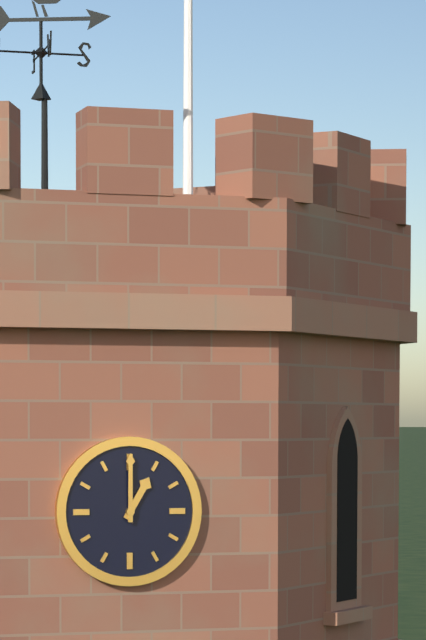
1:00
